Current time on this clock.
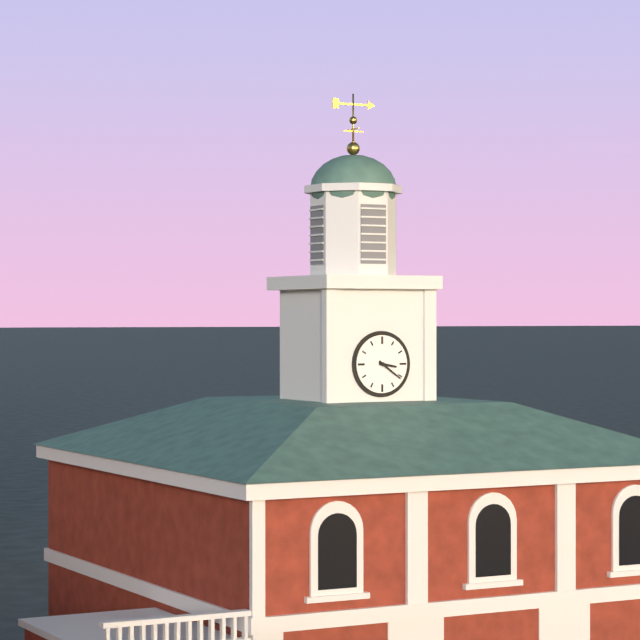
3:21
